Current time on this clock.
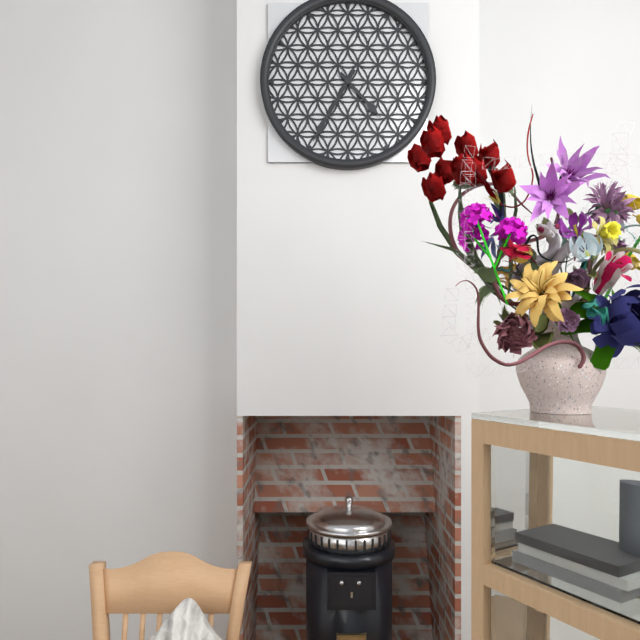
4:35
